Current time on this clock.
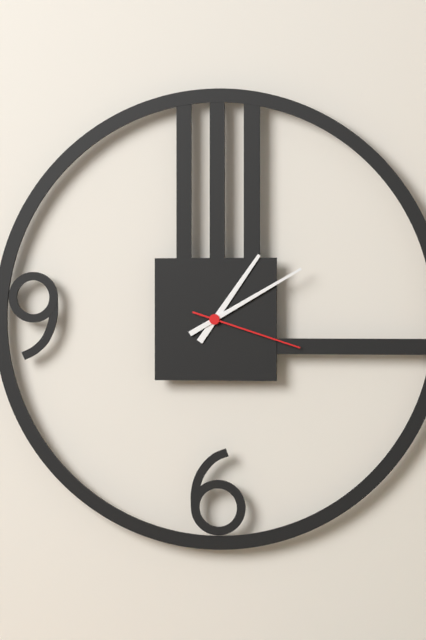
1:10:18
